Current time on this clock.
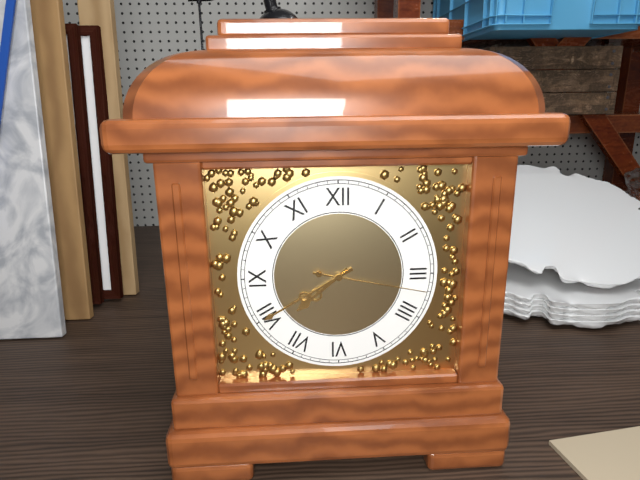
7:40:17
